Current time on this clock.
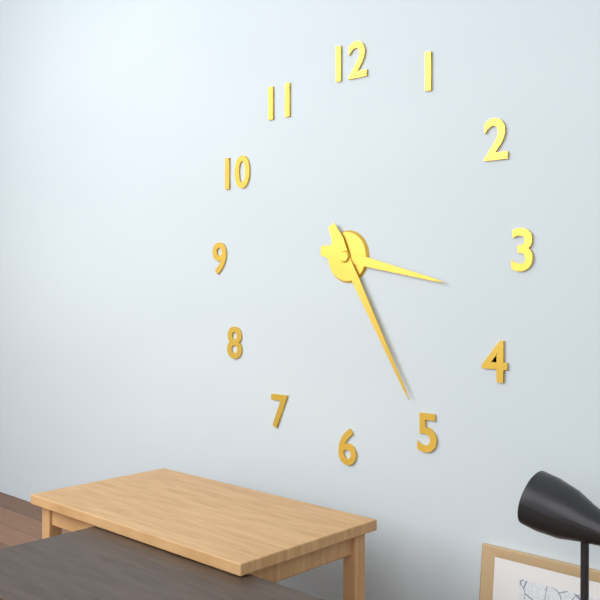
3:25
